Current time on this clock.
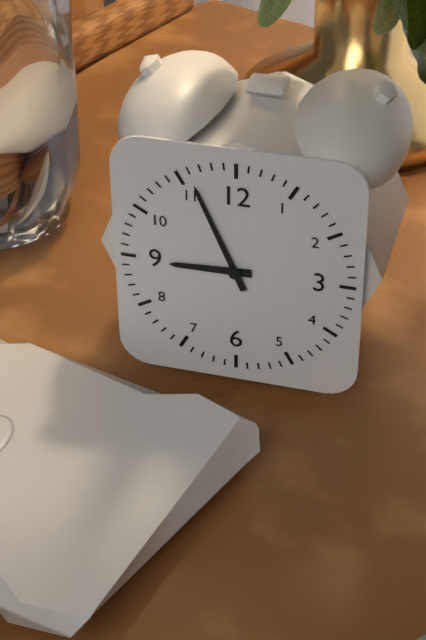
8:56
